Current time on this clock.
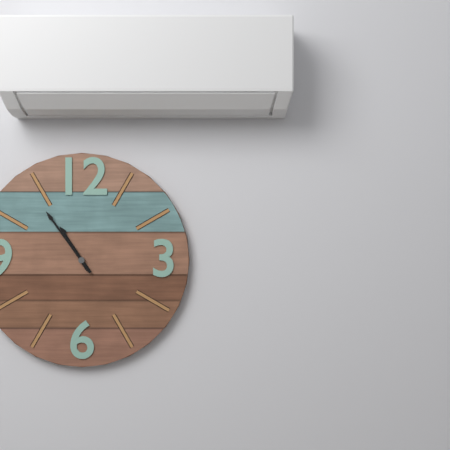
10:54
